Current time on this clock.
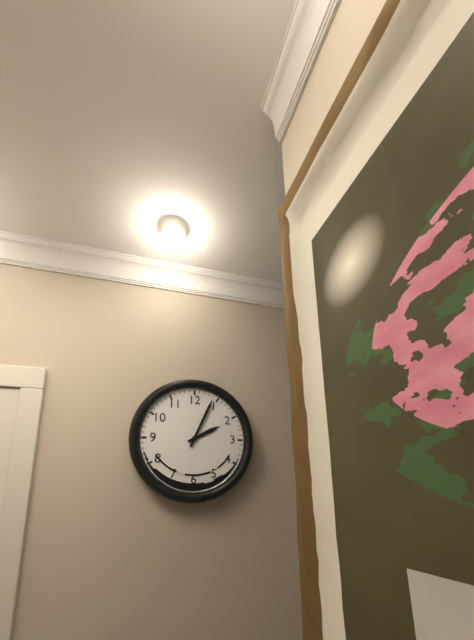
2:04
